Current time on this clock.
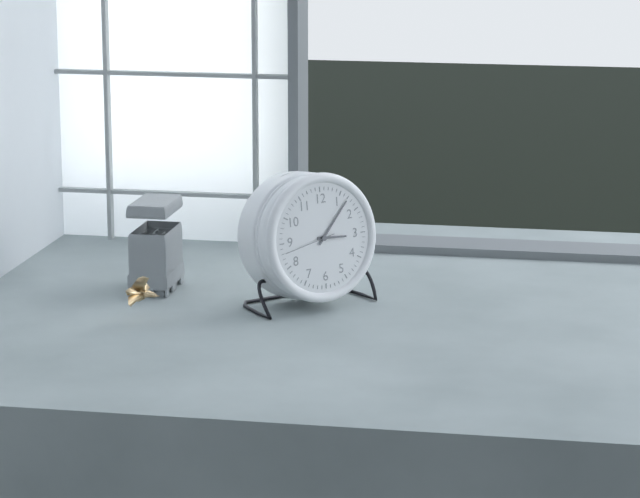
3:07:43
